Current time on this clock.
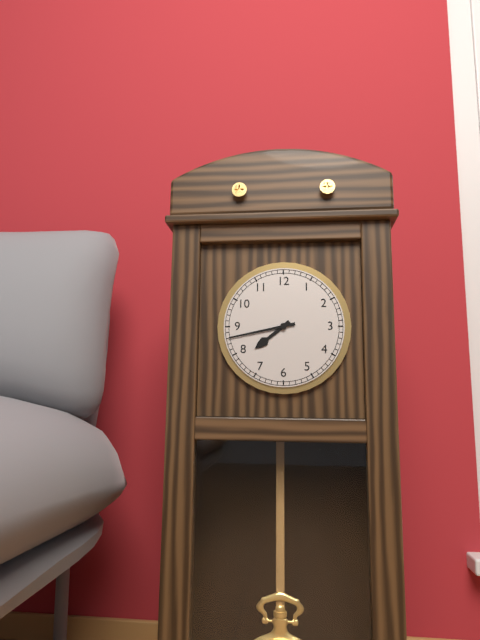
7:43
